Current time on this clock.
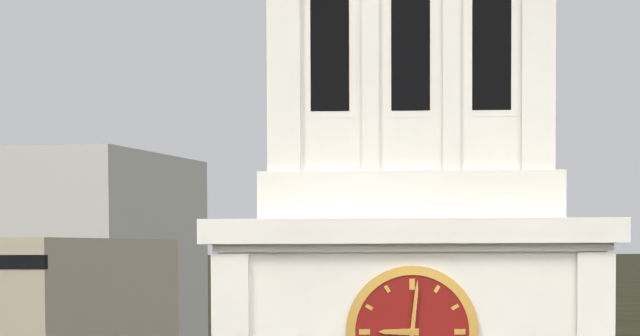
9:01
